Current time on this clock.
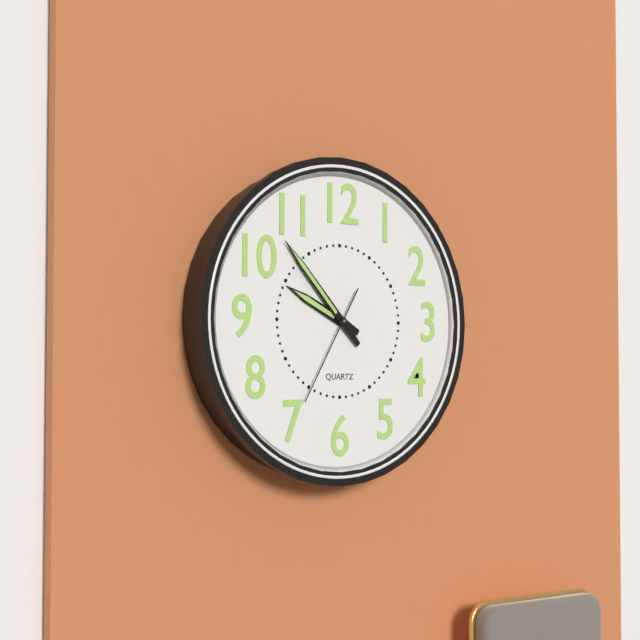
9:53:35
